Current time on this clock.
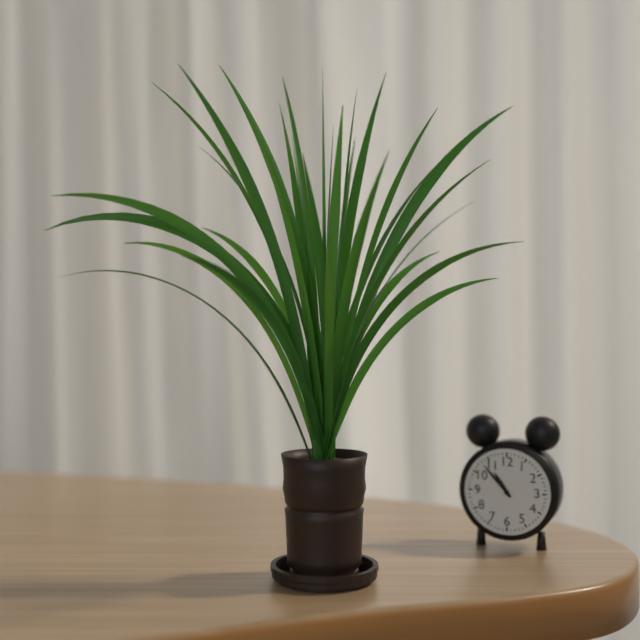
10:53
